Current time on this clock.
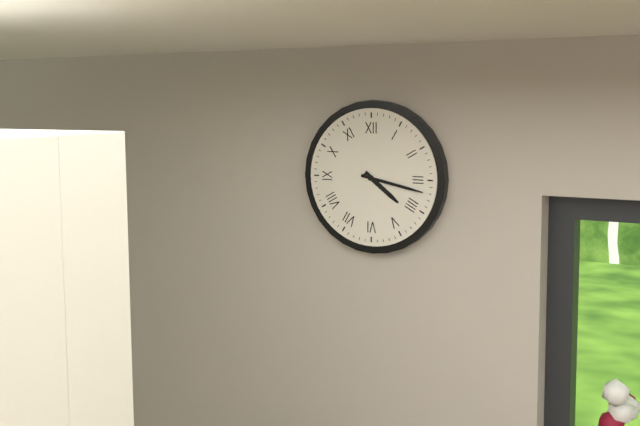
4:17
